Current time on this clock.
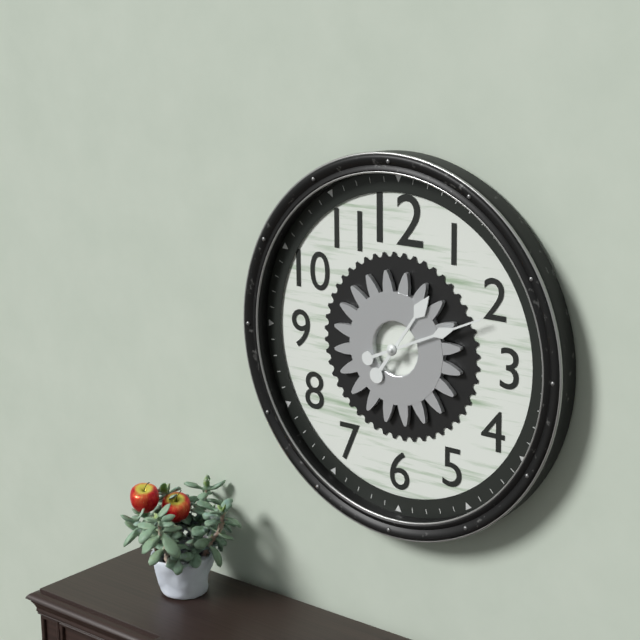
1:11
